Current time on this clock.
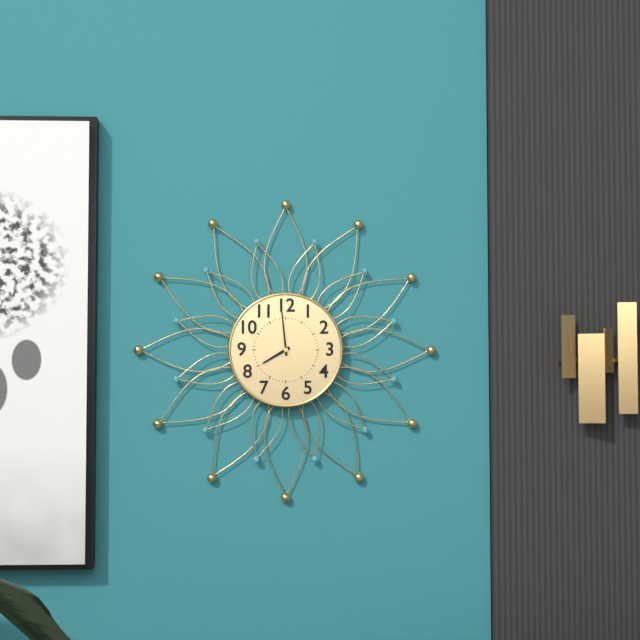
7:59
